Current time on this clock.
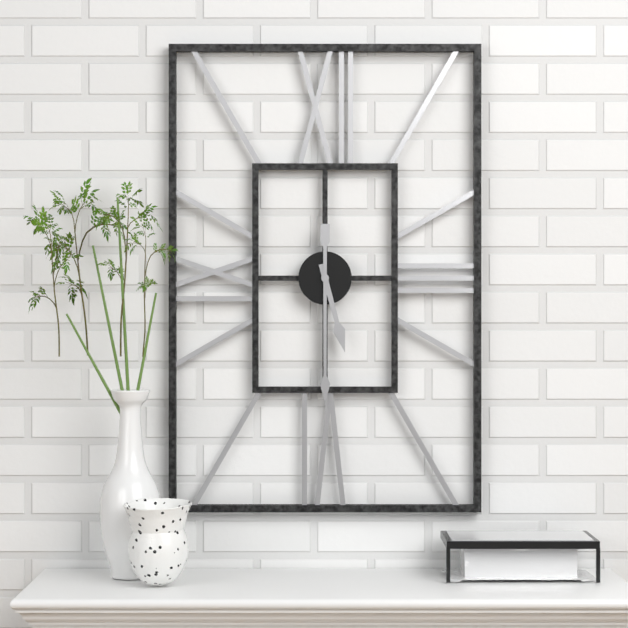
5:30
